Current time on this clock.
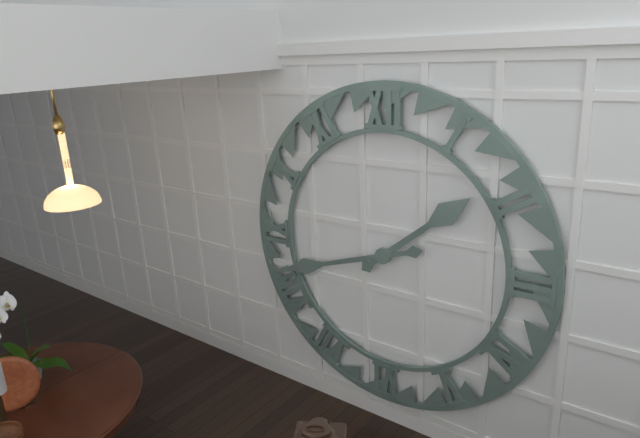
1:42
